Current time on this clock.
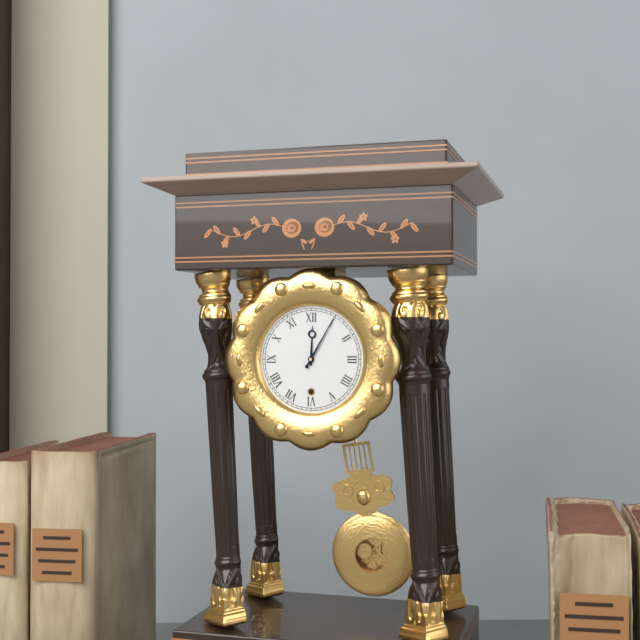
12:05
